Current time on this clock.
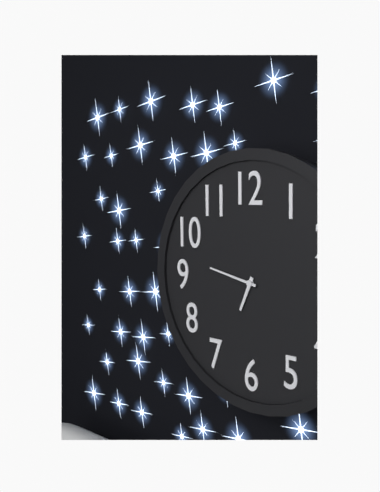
6:47
